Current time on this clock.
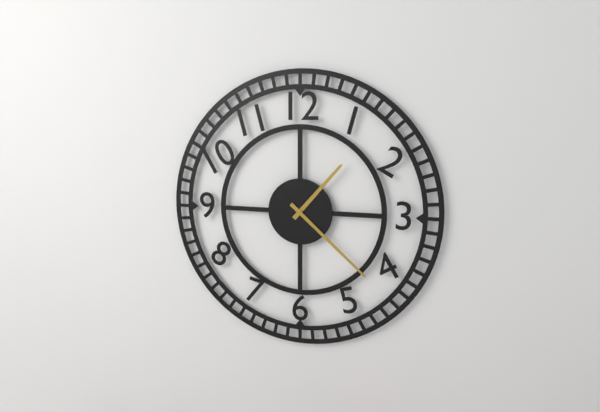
1:22
